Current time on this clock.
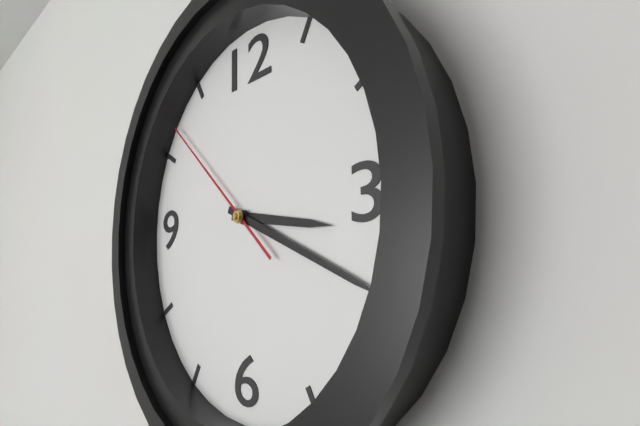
3:19:52
